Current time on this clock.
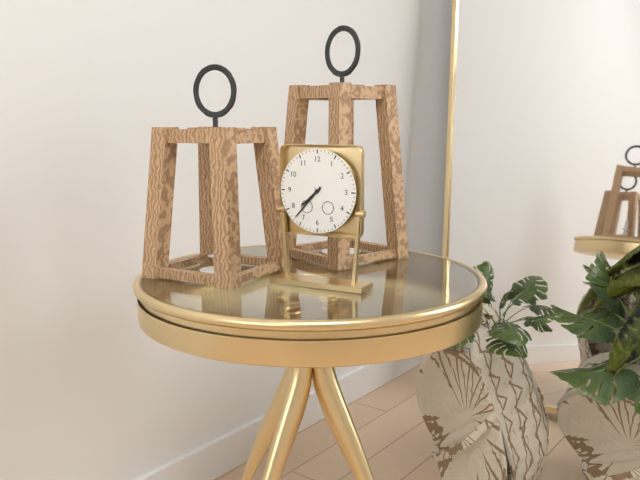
7:37
